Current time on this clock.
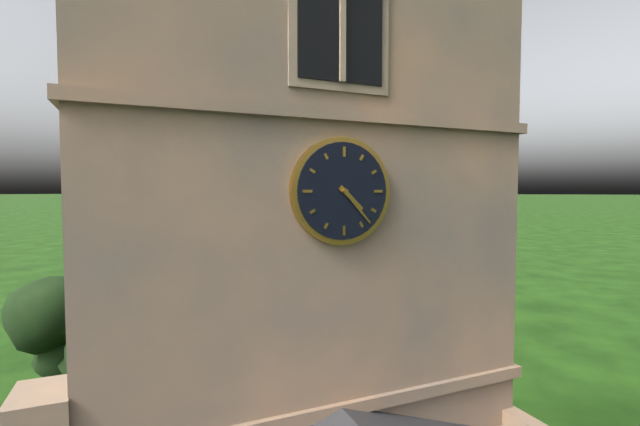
4:23
